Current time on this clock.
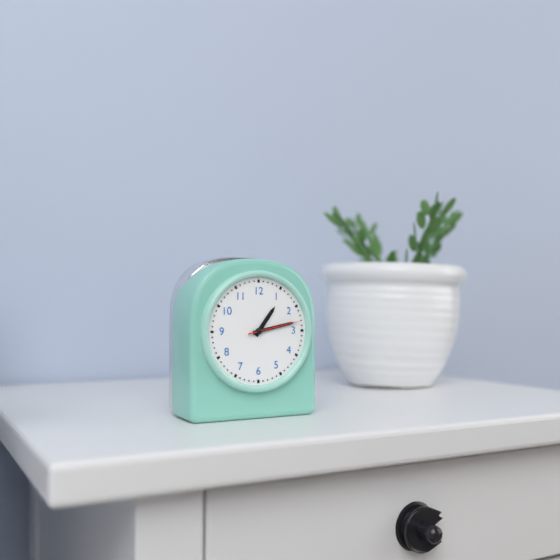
1:13:13
